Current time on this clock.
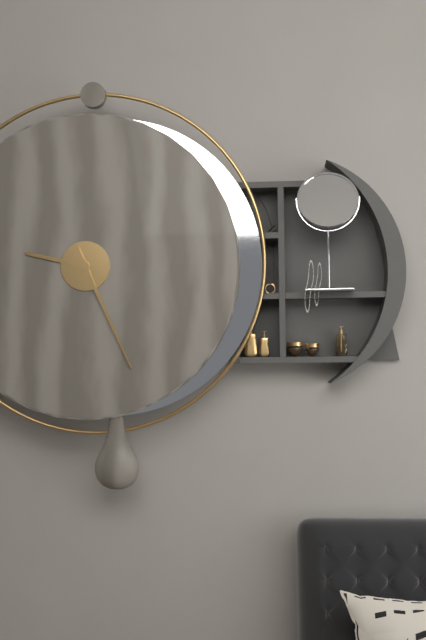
9:26
